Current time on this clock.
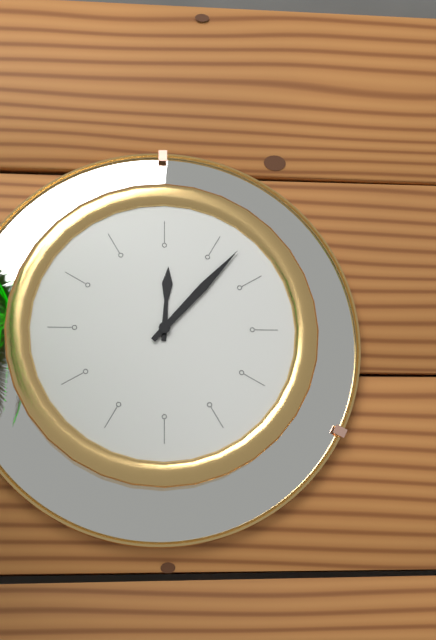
12:07
